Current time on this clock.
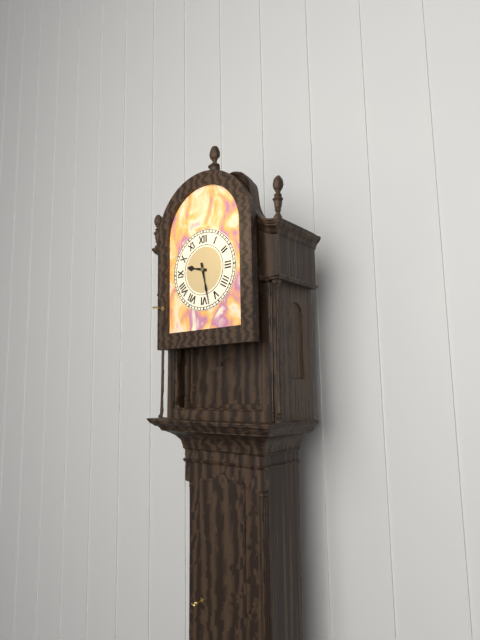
9:28
